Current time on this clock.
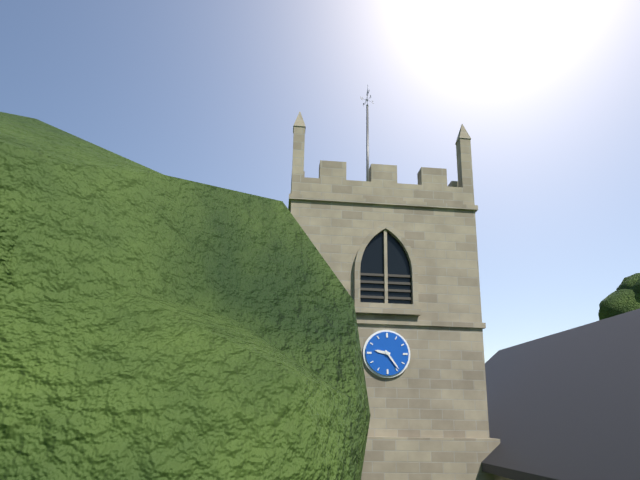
9:24
